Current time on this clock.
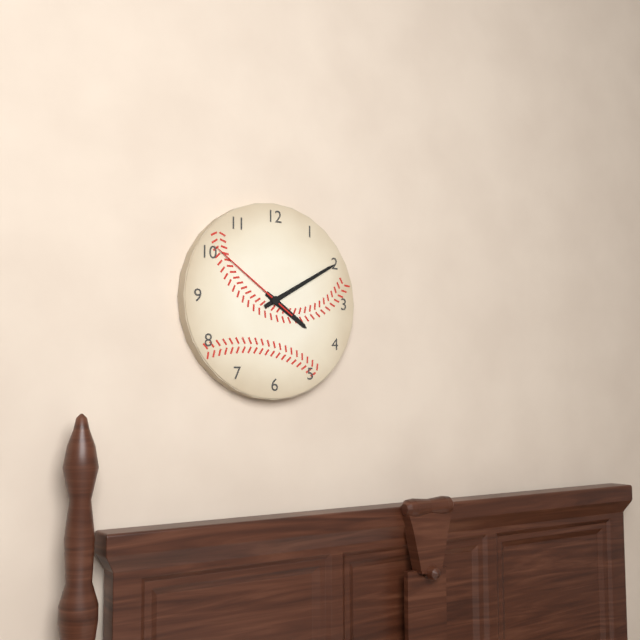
4:10:51
